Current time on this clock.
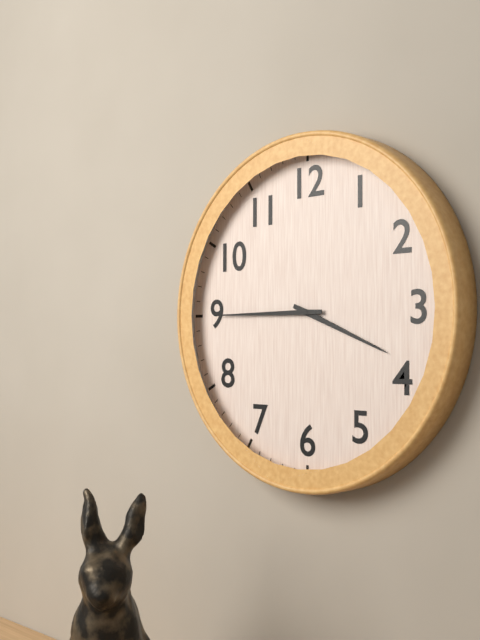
3:45
